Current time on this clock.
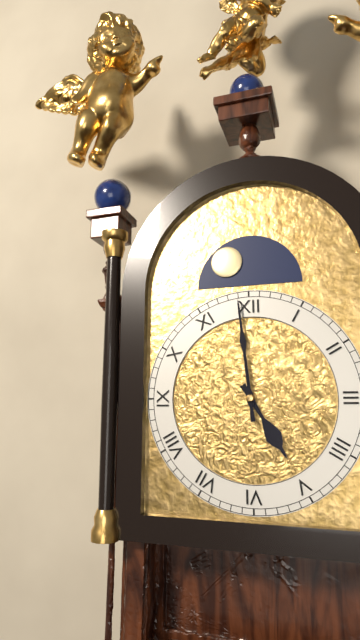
4:59
